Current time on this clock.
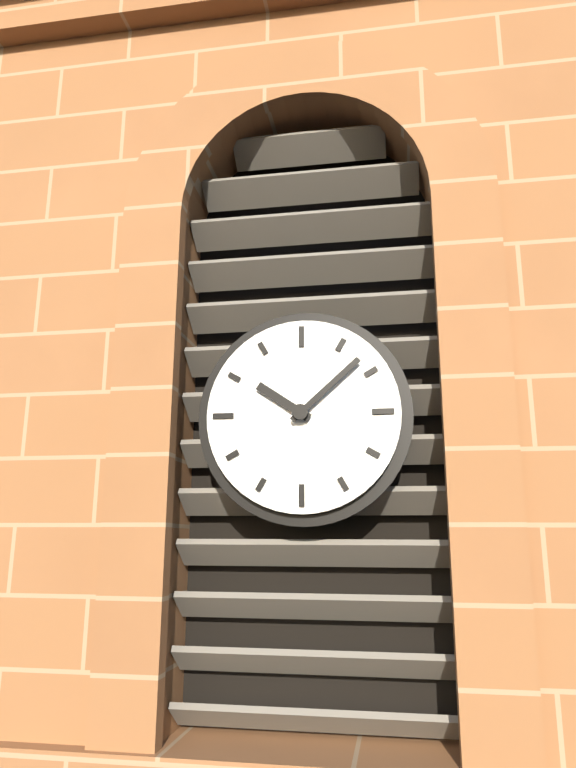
10:08
